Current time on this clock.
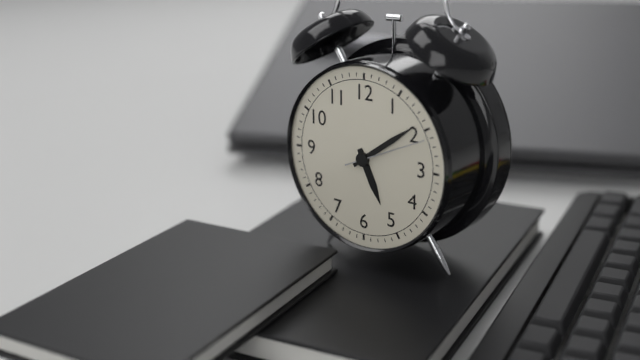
5:09:11
